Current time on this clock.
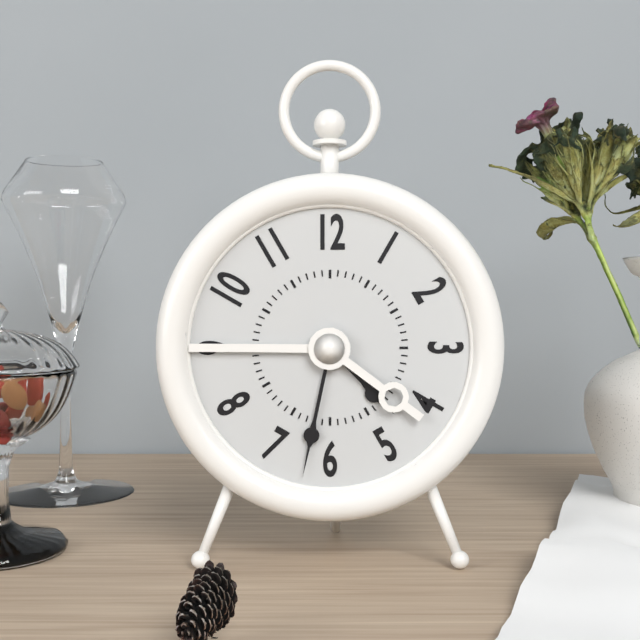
4:32
